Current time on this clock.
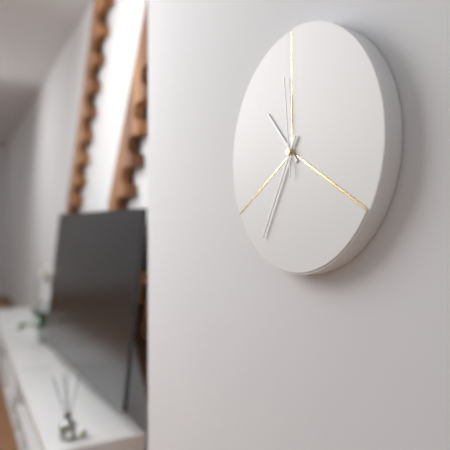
10:35:59
